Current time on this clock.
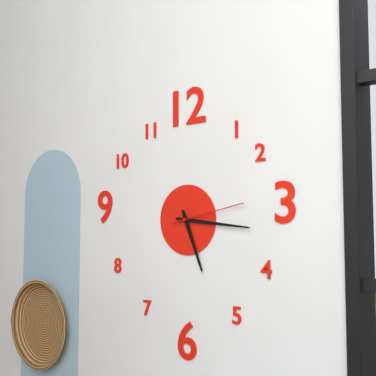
5:16:13
